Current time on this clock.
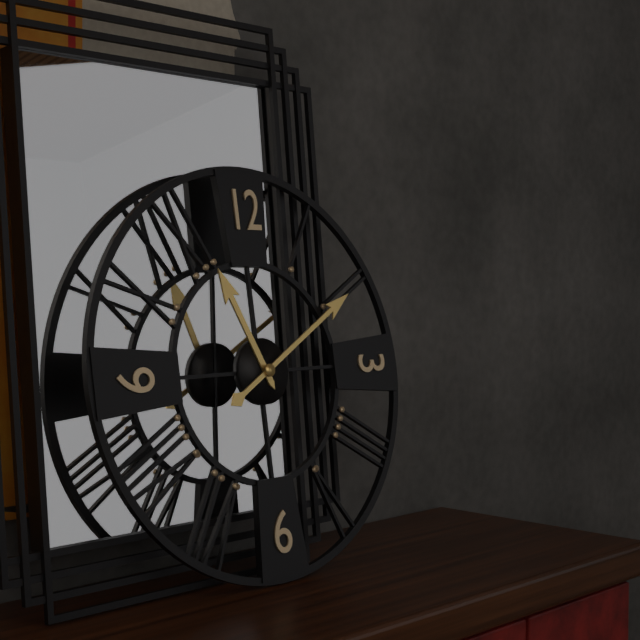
11:10
